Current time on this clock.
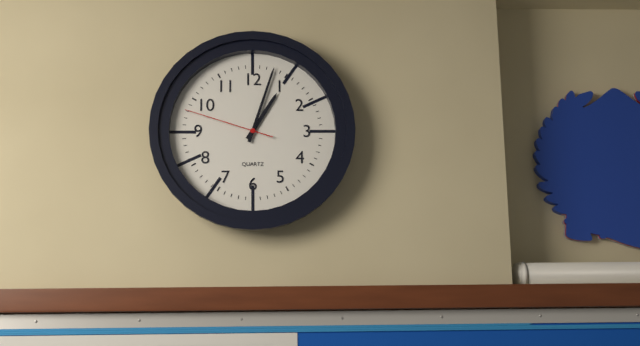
1:03:48
